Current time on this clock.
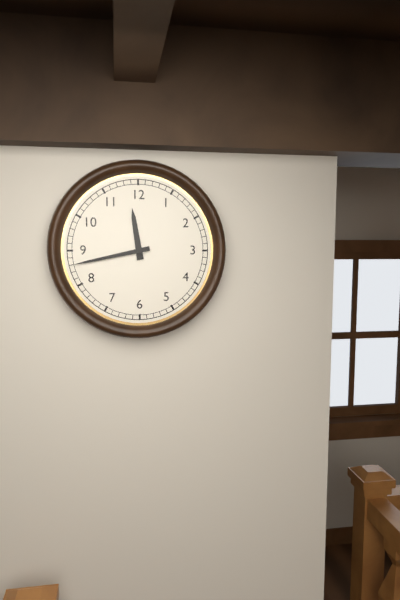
11:43
